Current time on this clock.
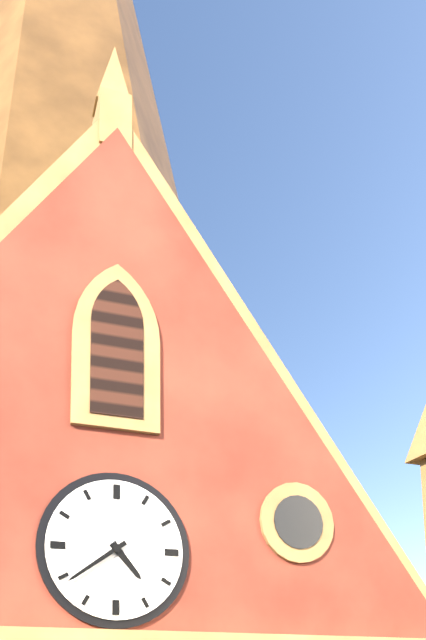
4:39
